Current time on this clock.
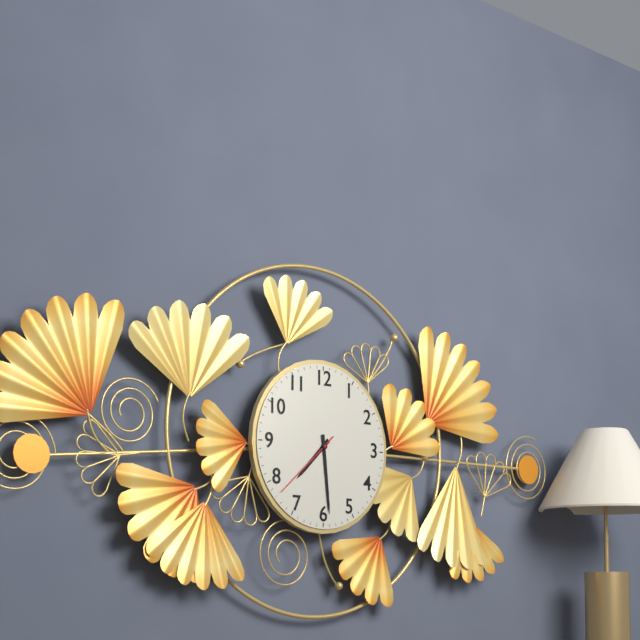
7:29:38
